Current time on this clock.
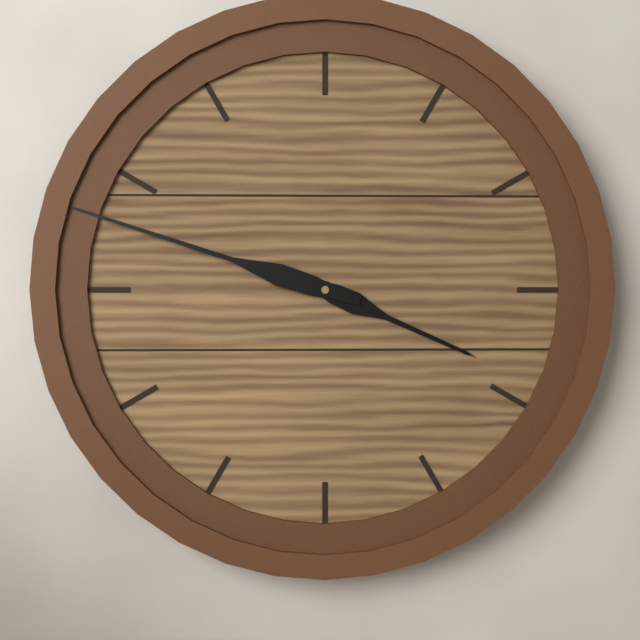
3:48
